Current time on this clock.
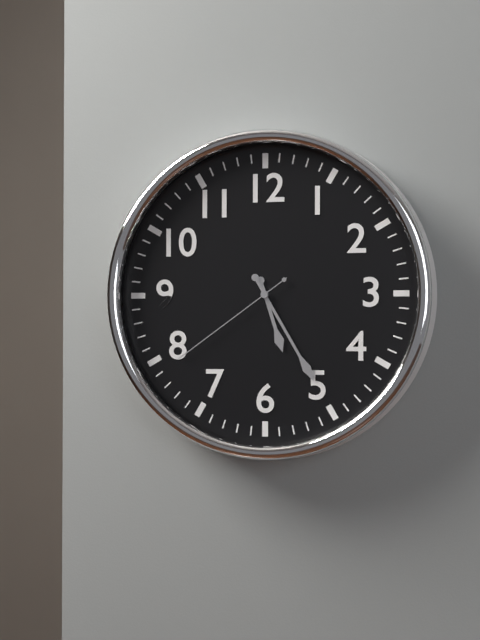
5:25:39
